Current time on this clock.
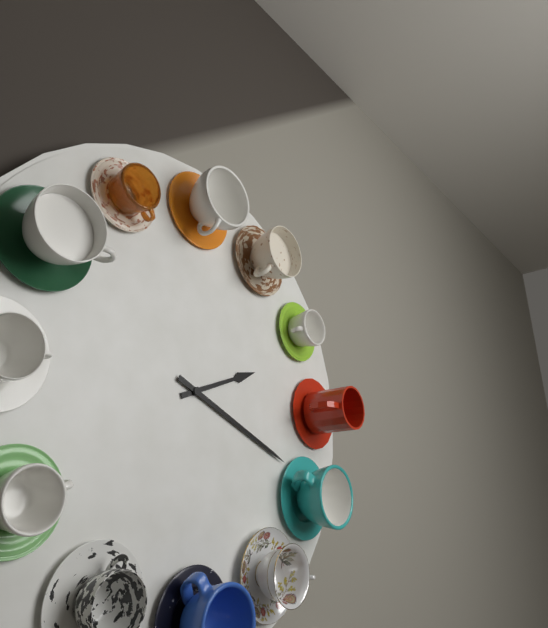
2:19
